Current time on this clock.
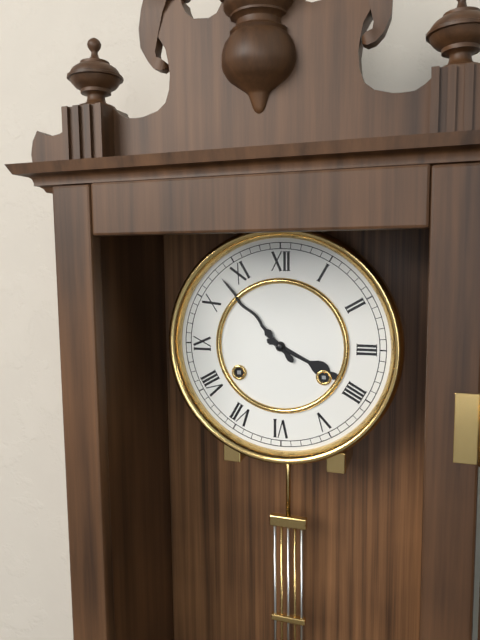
3:53
